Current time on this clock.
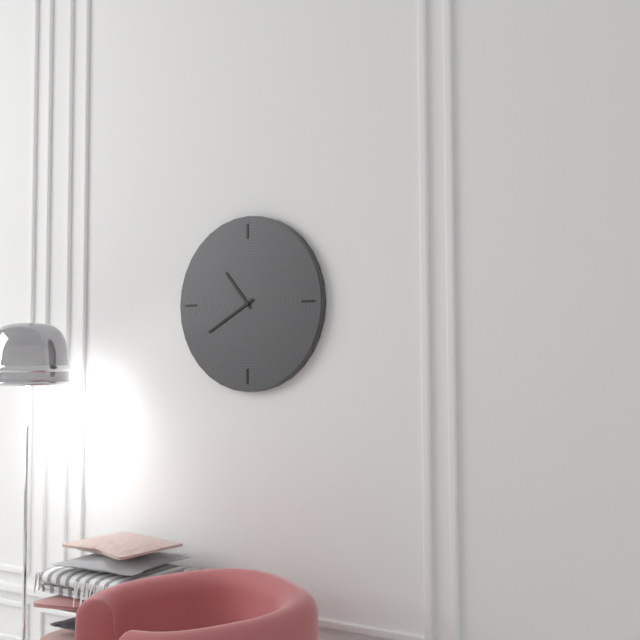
10:40
